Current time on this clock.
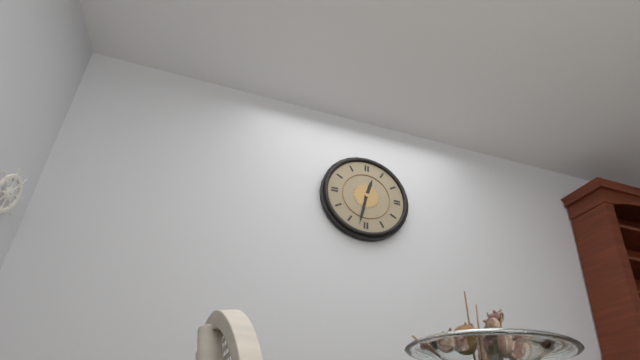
12:32
